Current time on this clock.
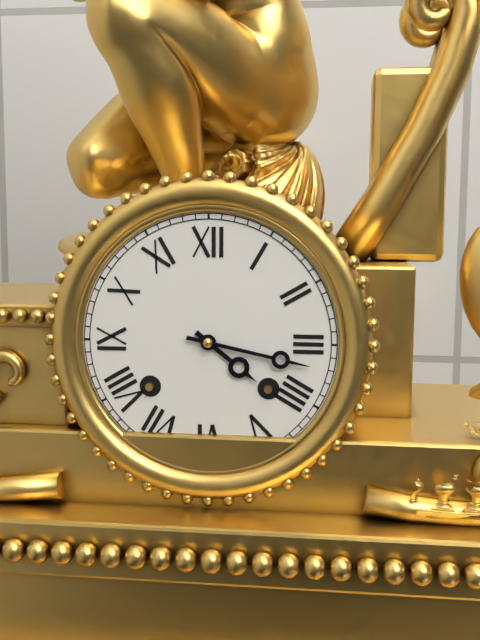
4:17
